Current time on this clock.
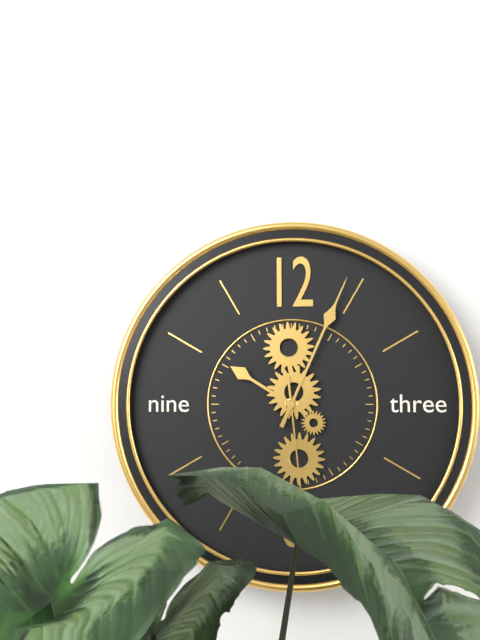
10:04:29
